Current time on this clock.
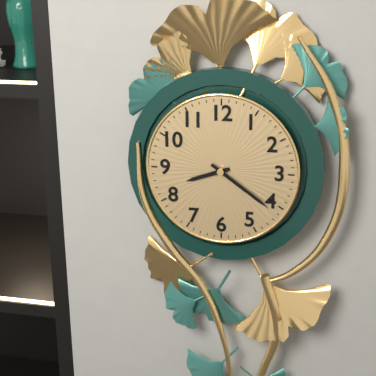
8:21
